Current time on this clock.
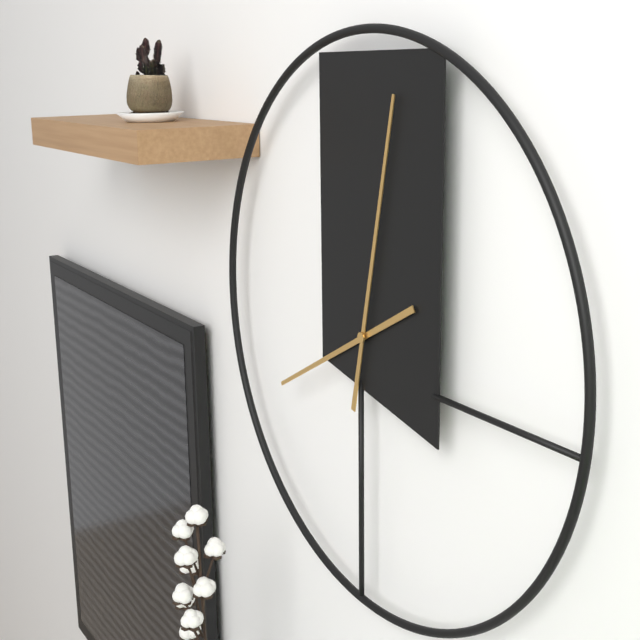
8:02
